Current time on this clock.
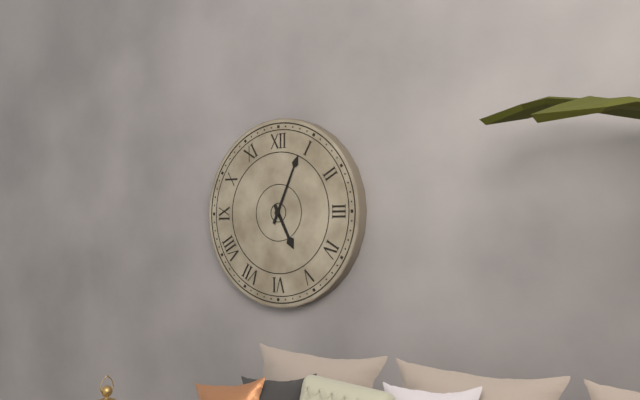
5:04
